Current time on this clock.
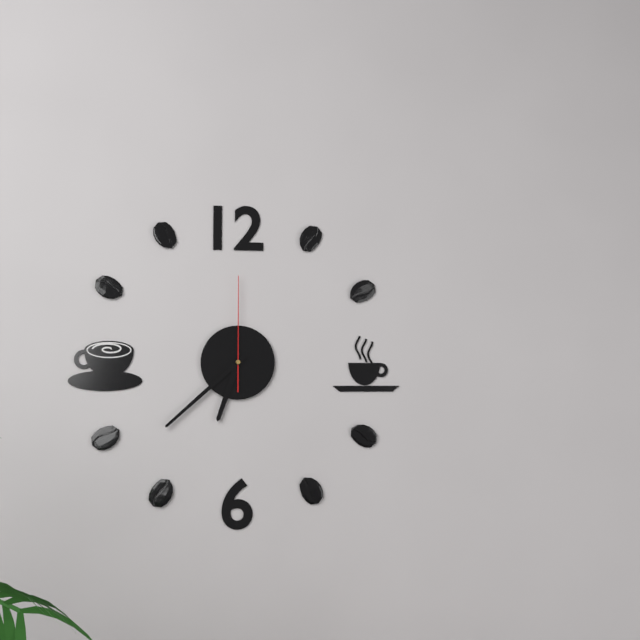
6:38:00
